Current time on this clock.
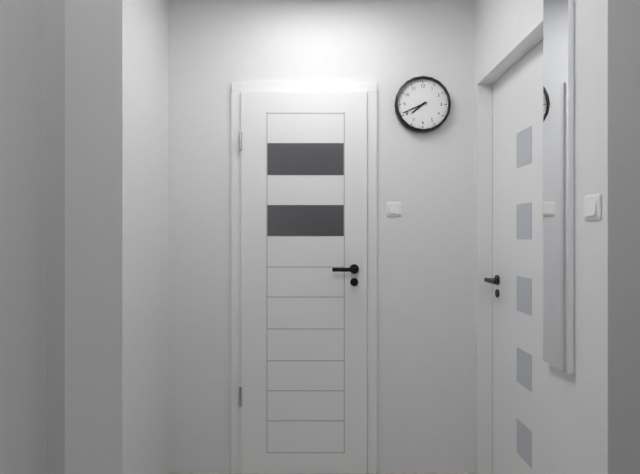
7:41
